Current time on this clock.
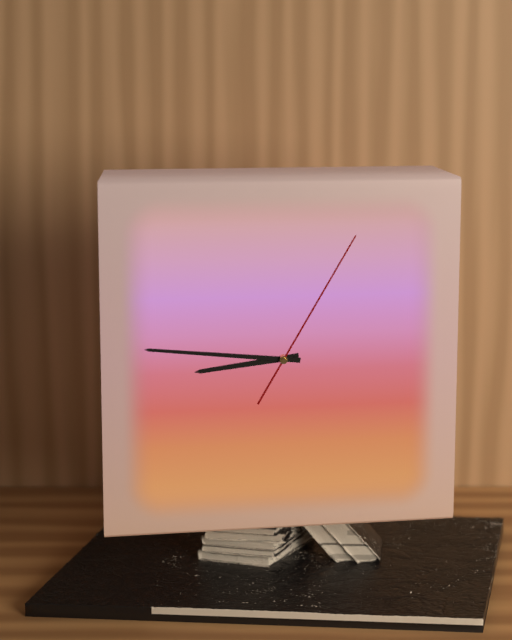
8:46:05
